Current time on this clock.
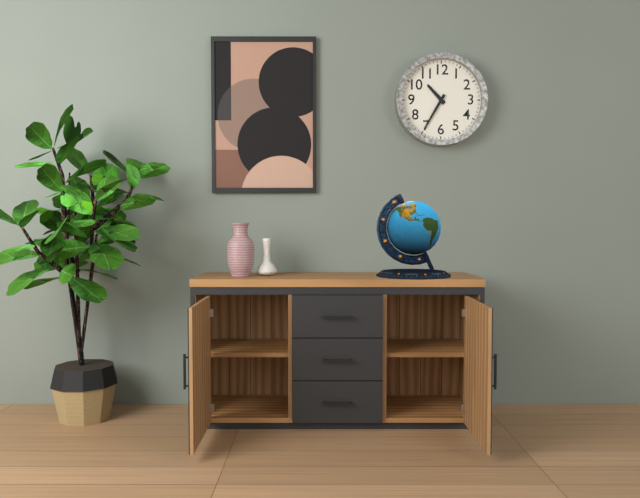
10:35
